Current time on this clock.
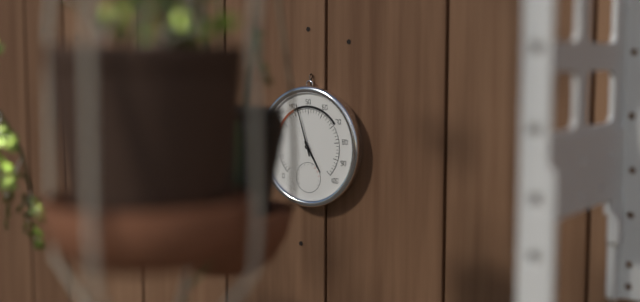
4:57
